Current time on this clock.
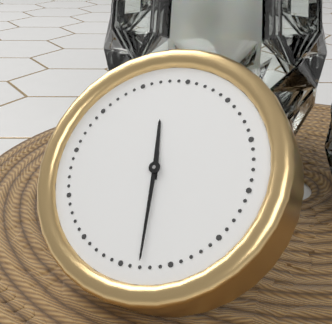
11:28
